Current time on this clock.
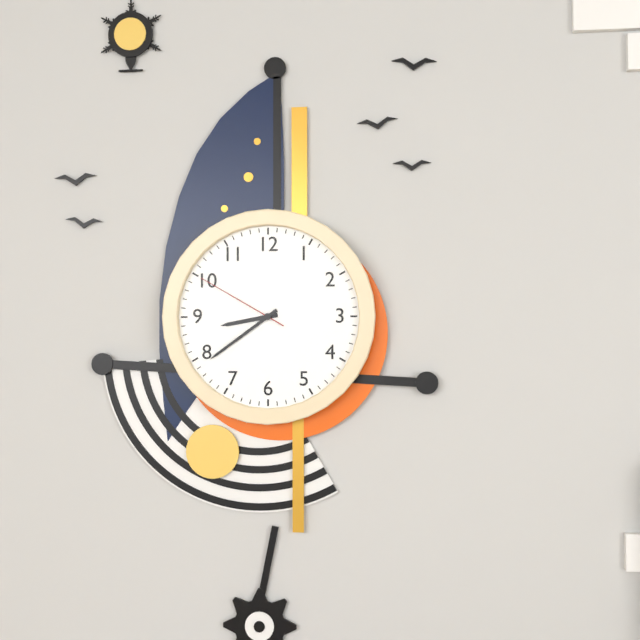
8:39:50
